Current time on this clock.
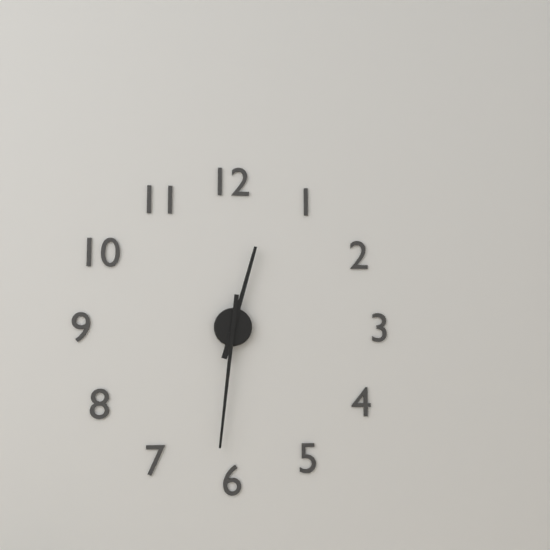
12:31
